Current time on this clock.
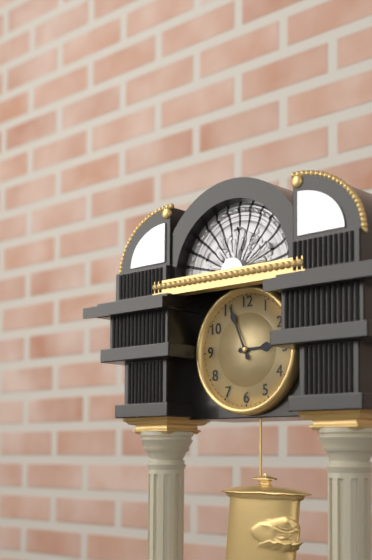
2:56
